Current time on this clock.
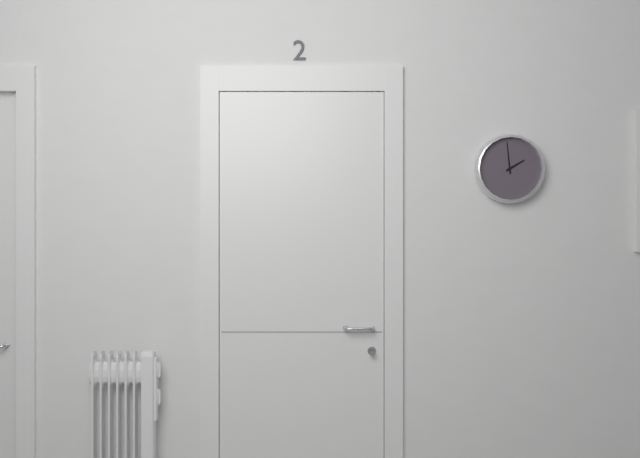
1:59
